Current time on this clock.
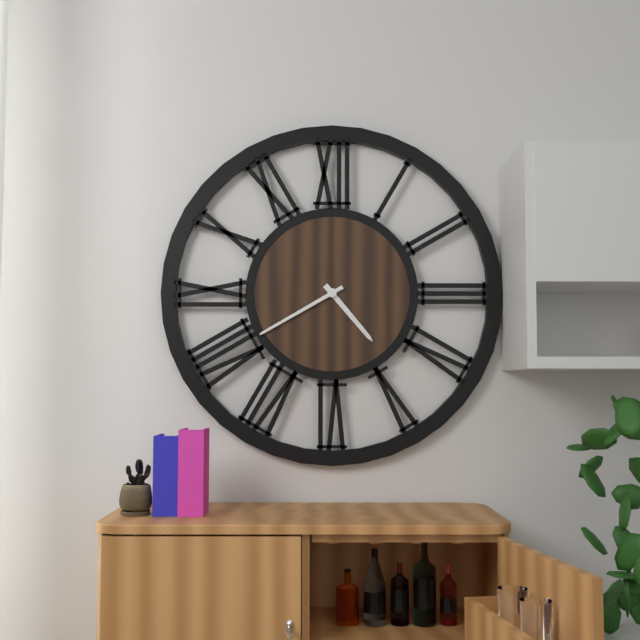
4:40
